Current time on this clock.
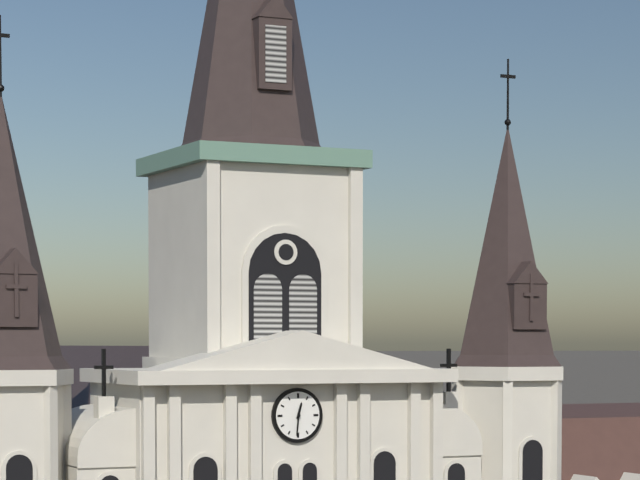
12:31
